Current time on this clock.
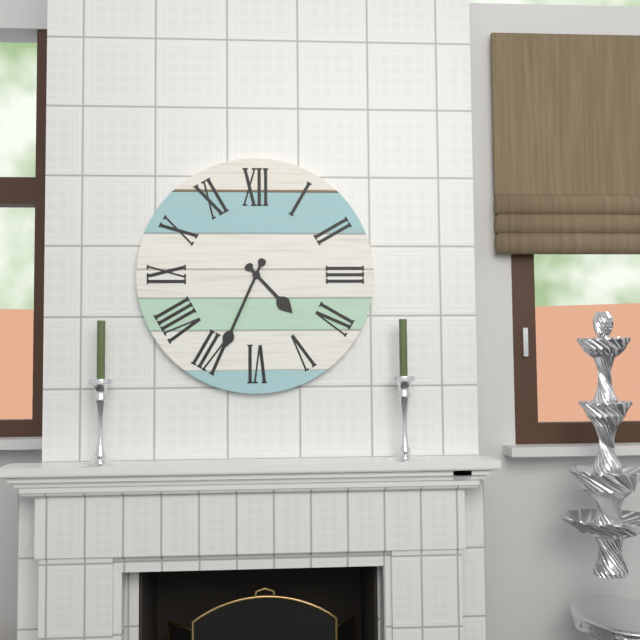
4:34
